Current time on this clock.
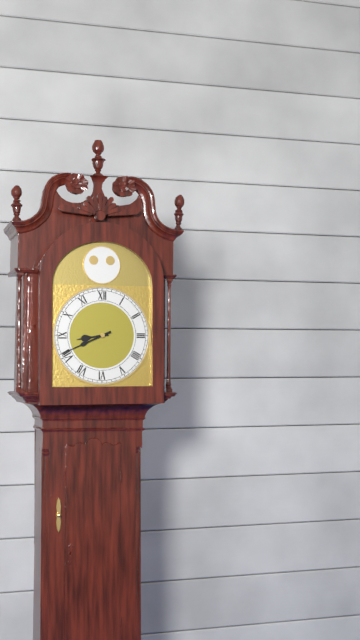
8:41
